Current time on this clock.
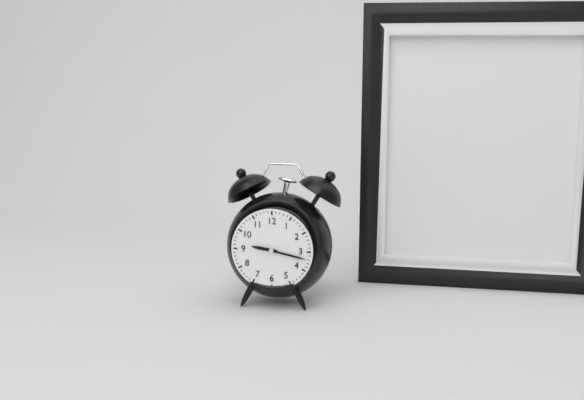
9:17
